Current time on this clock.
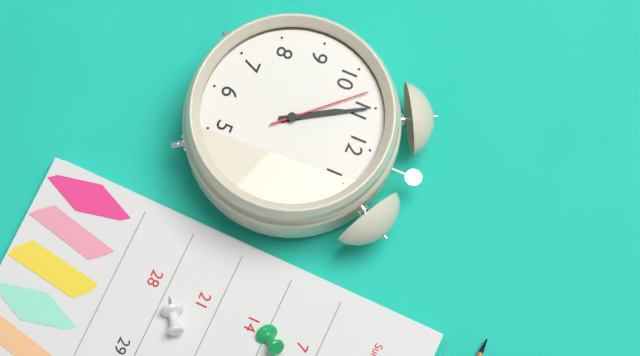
10:55:53
